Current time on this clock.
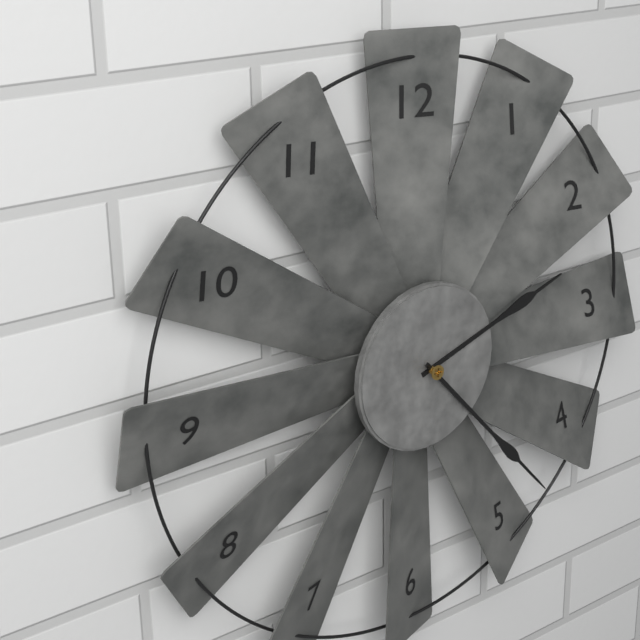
2:23
